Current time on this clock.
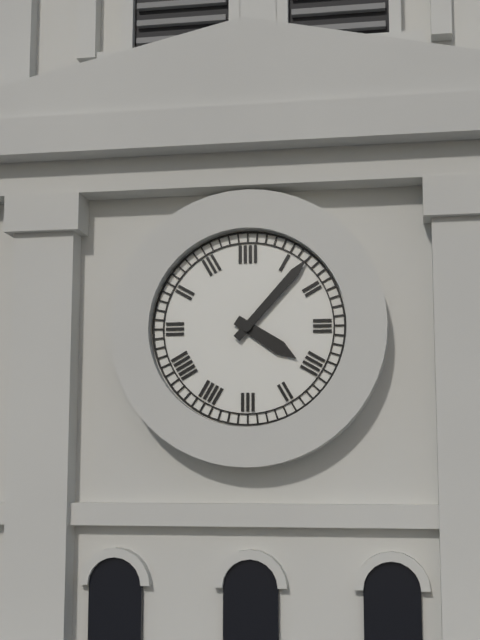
4:07
